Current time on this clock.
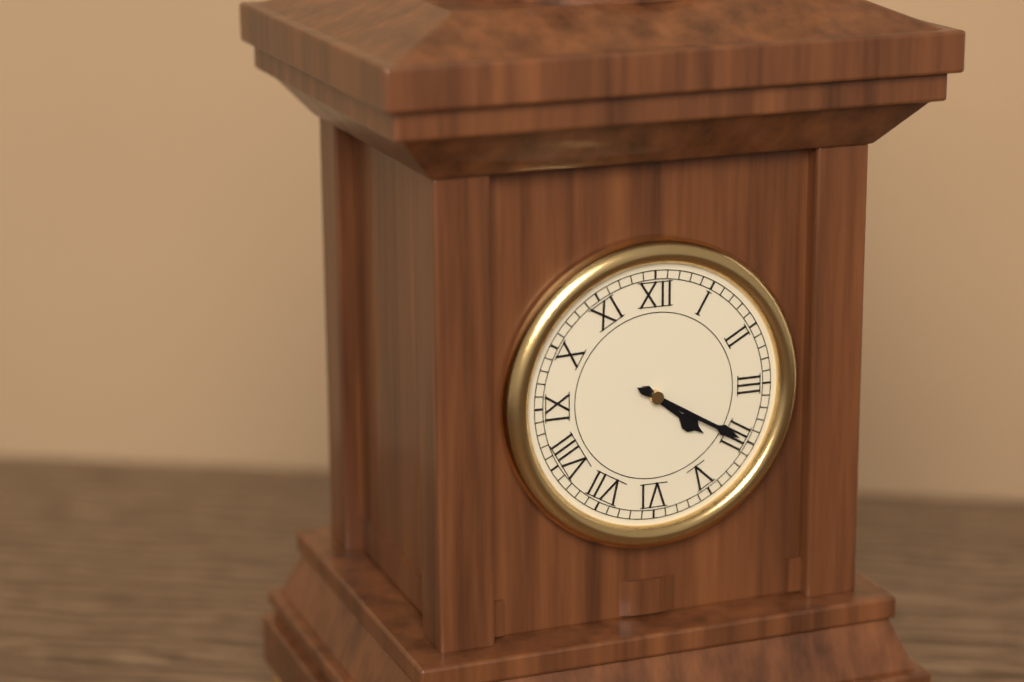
4:20
